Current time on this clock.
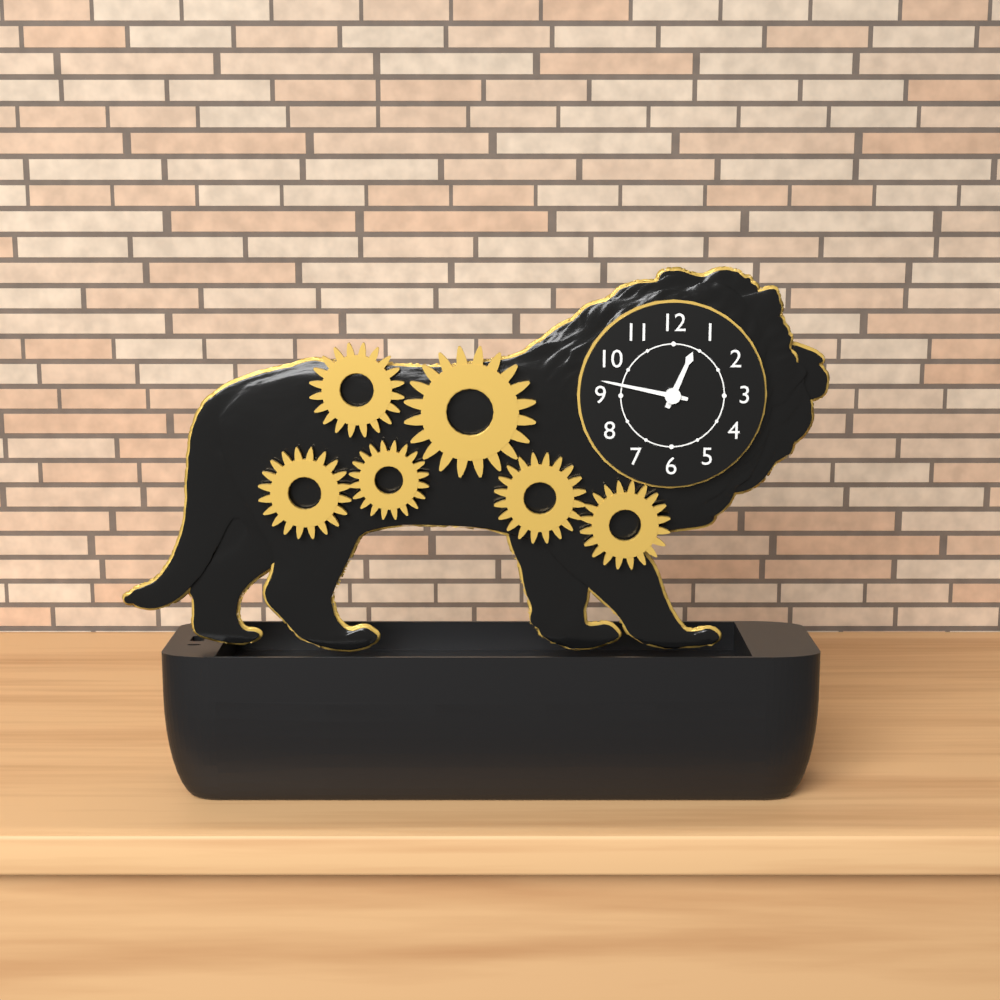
12:47
